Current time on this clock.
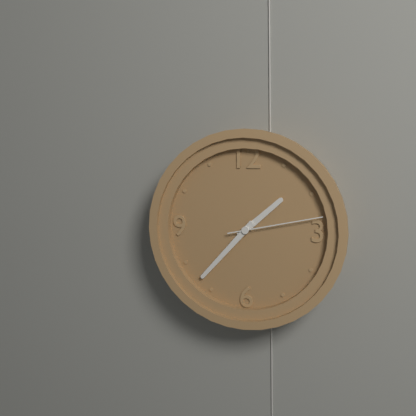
1:37:13
